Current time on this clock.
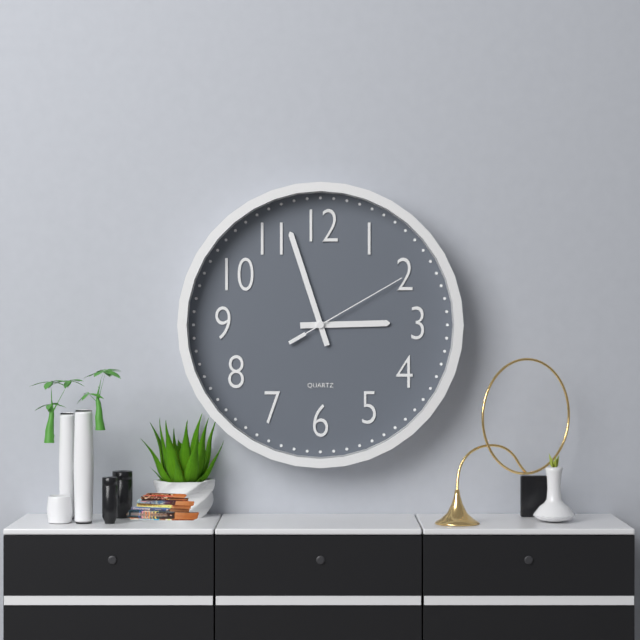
2:57:10
